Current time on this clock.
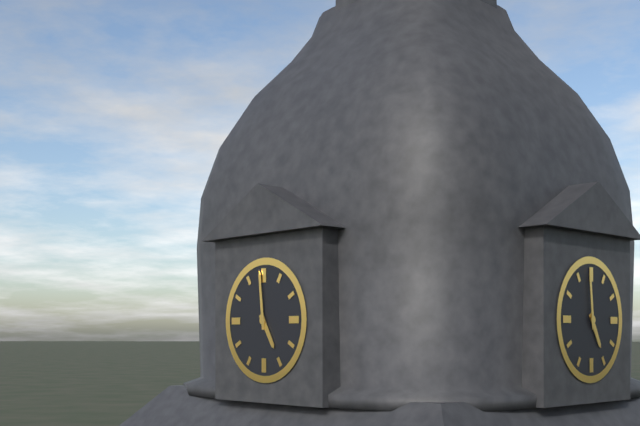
4:59
